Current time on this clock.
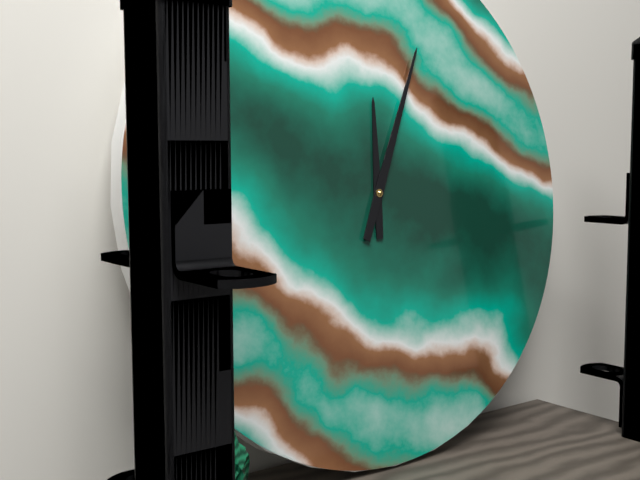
12:04
